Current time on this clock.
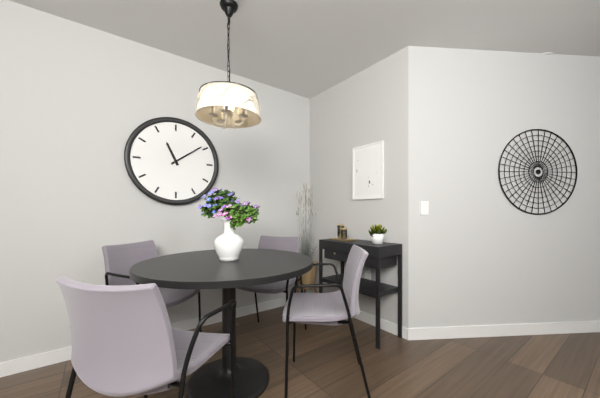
11:09
